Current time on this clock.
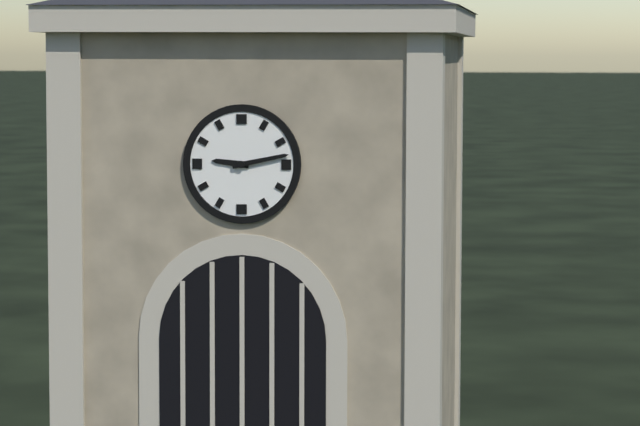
9:13
